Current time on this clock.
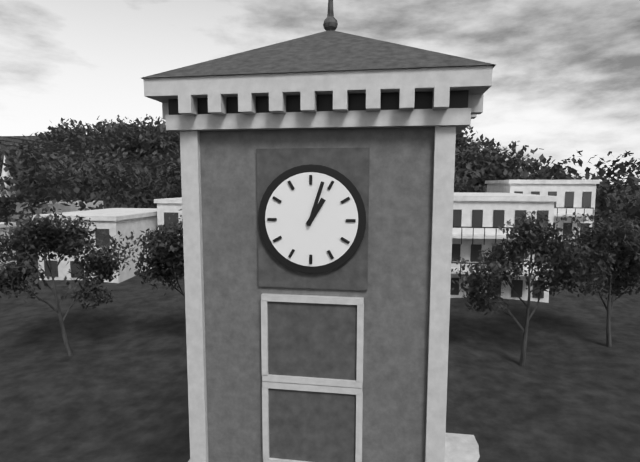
1:03
